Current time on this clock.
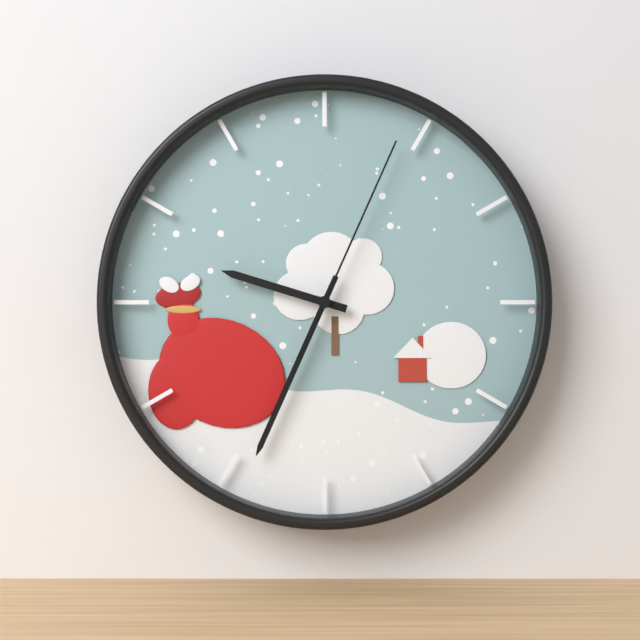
9:34:04
